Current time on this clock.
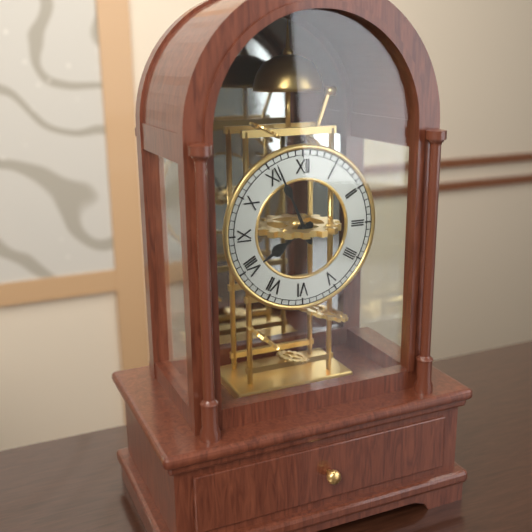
7:56
